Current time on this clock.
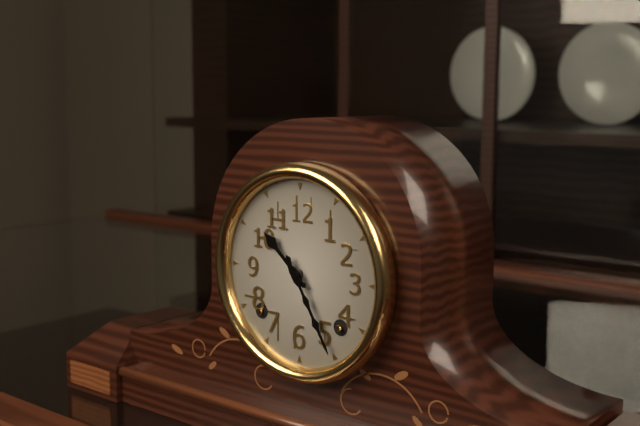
10:25
